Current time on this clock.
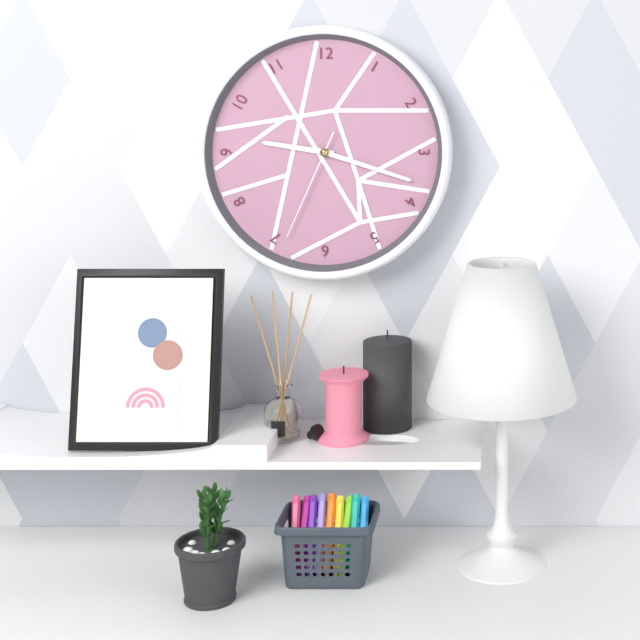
9:18:34
